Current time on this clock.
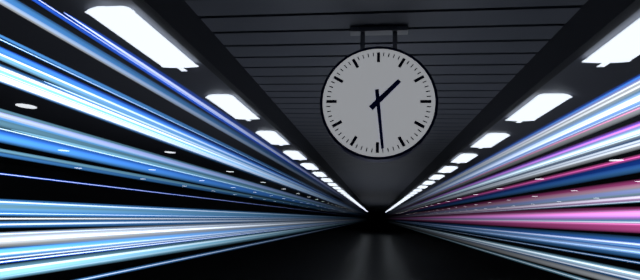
1:29
